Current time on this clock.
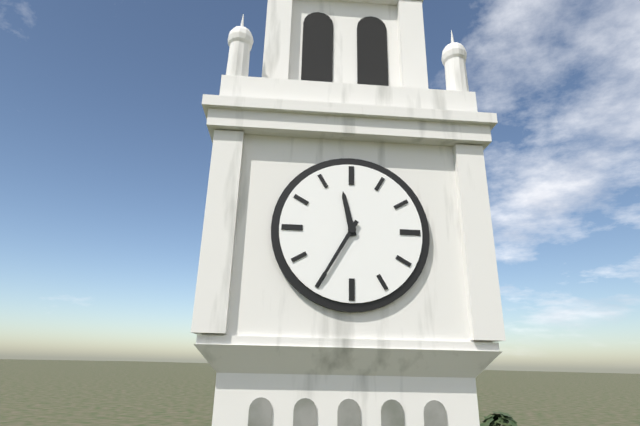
11:35
